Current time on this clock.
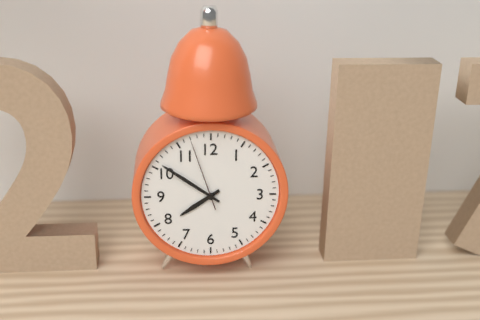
7:51:57
